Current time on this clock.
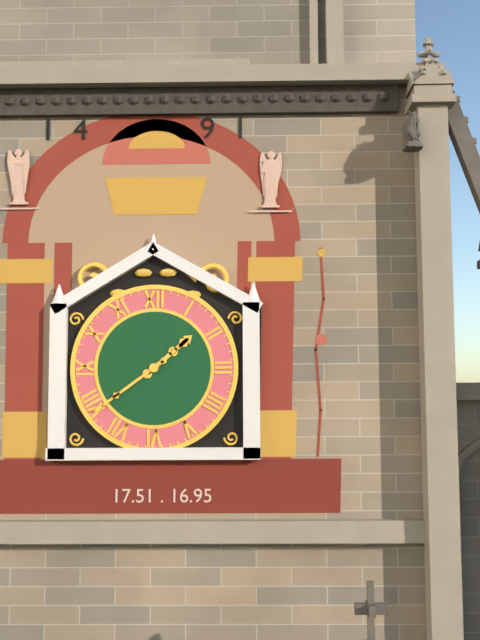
1:39
